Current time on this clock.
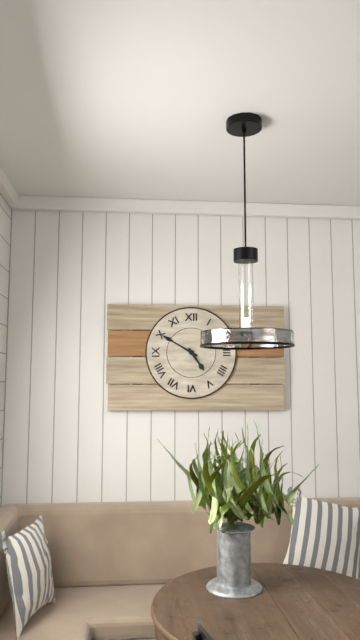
4:50
